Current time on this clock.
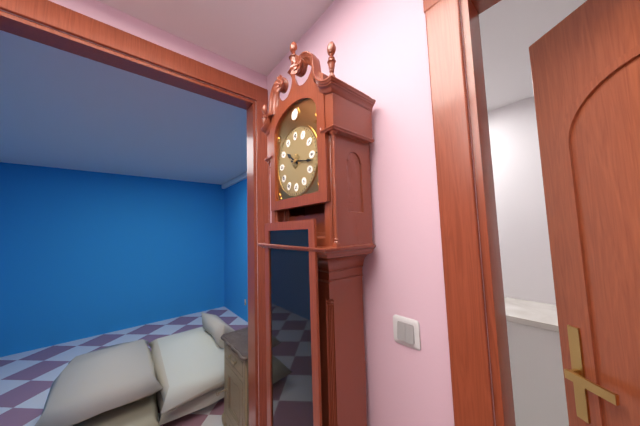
10:17
